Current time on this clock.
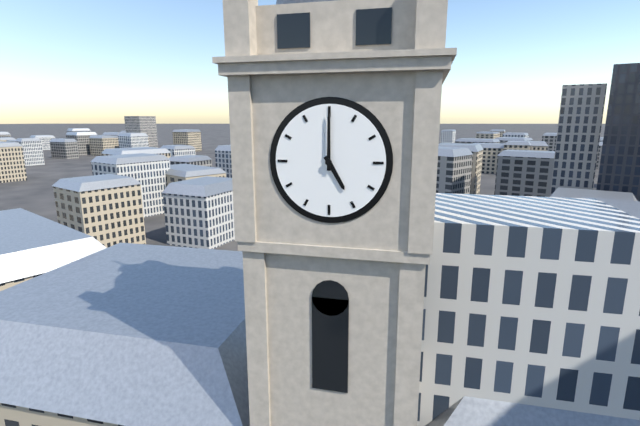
5:00
